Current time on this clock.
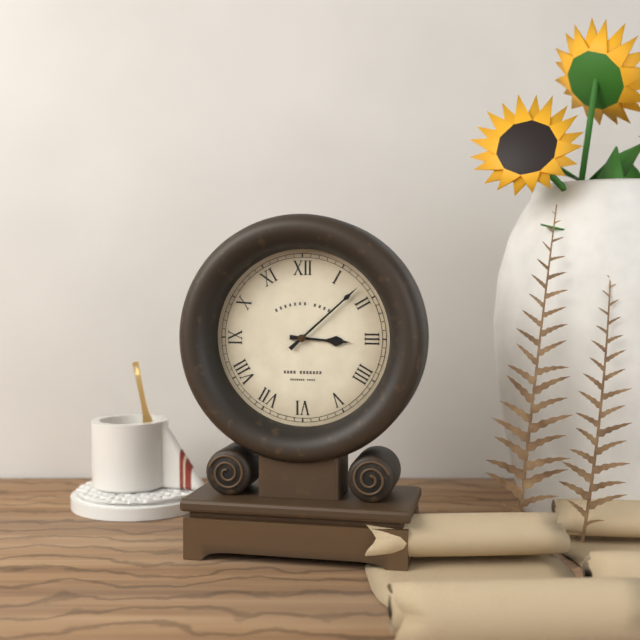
3:08
